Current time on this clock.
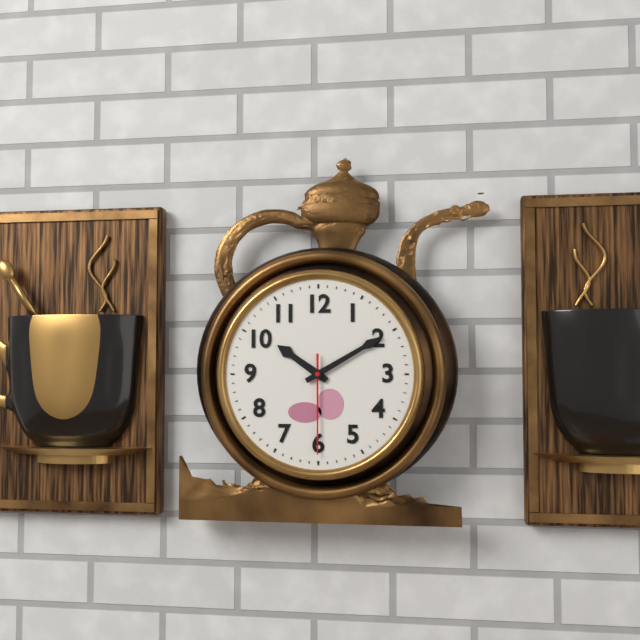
10:10:30
